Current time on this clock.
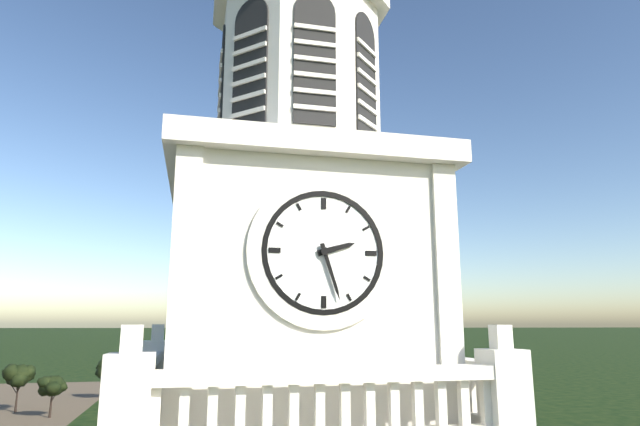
2:27
